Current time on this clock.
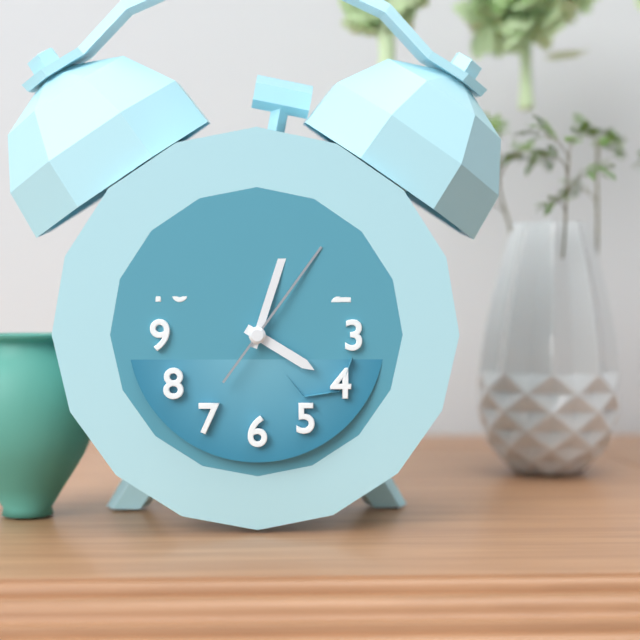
4:03:06
